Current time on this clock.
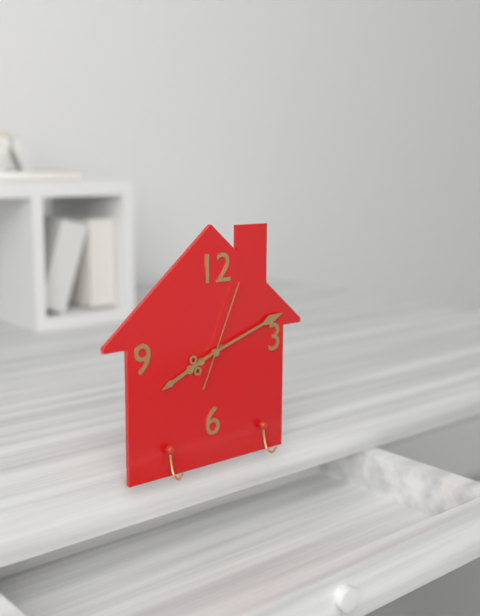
8:12:04
